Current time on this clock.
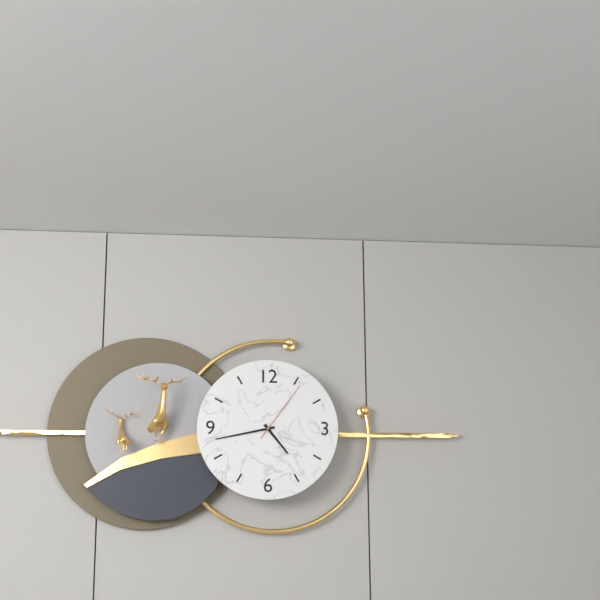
4:43:06
